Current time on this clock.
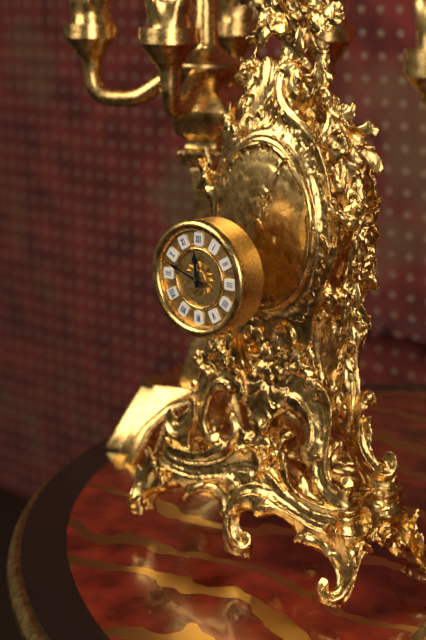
11:48
